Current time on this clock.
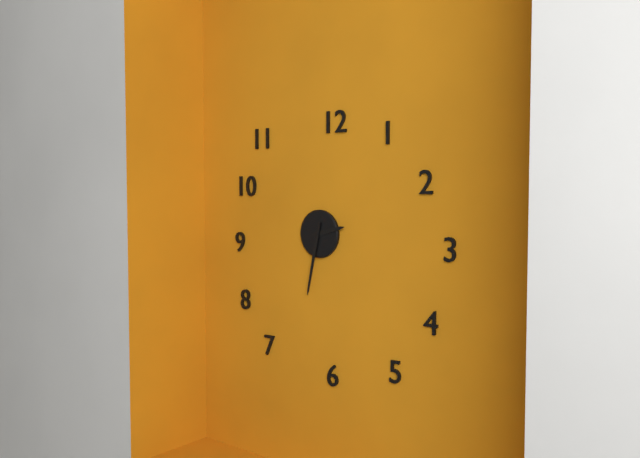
2:32
